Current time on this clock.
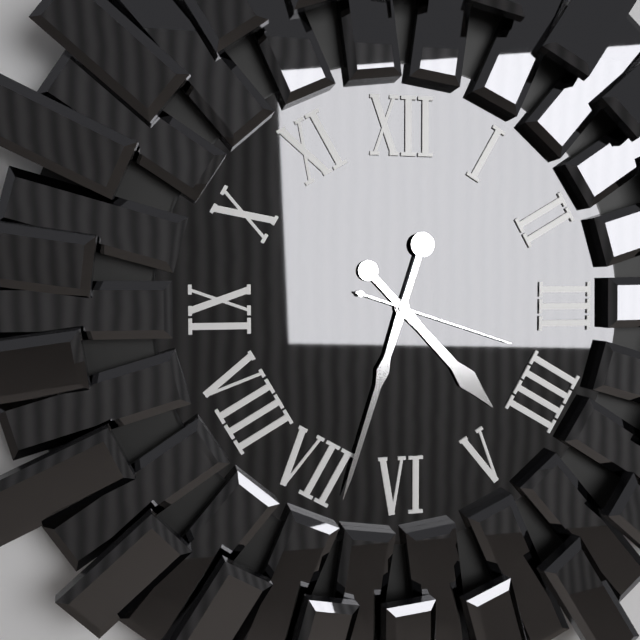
4:33:18
